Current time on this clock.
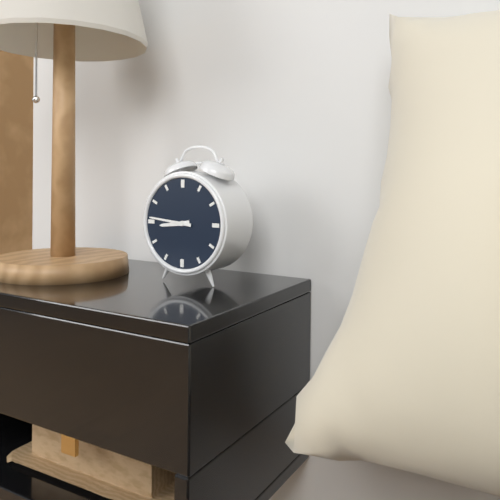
8:46
